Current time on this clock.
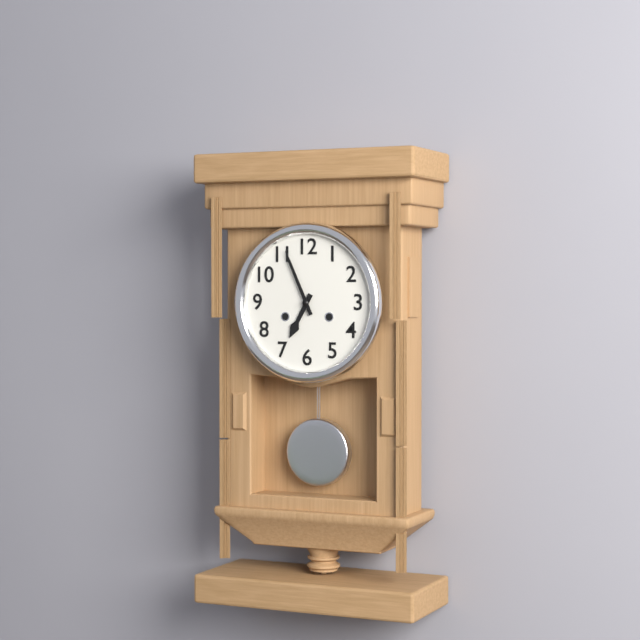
6:56
